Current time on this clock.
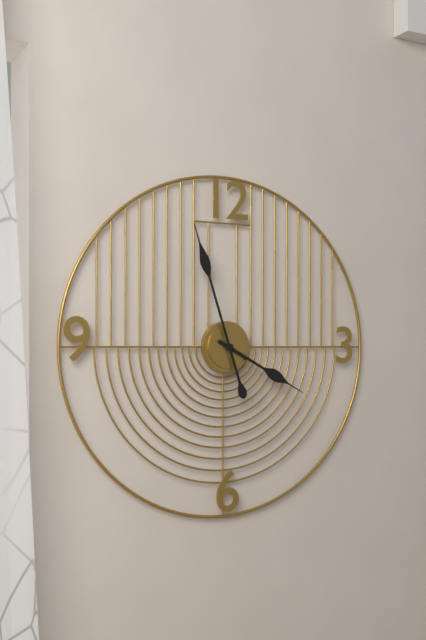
3:57
